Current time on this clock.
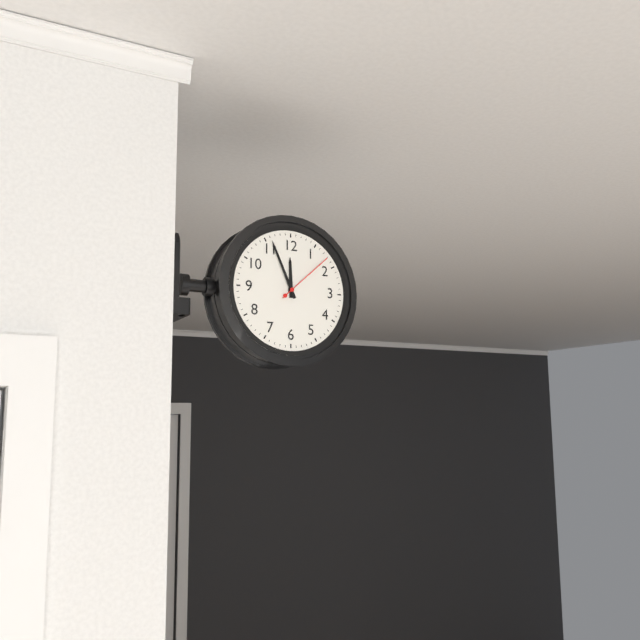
11:56:08
